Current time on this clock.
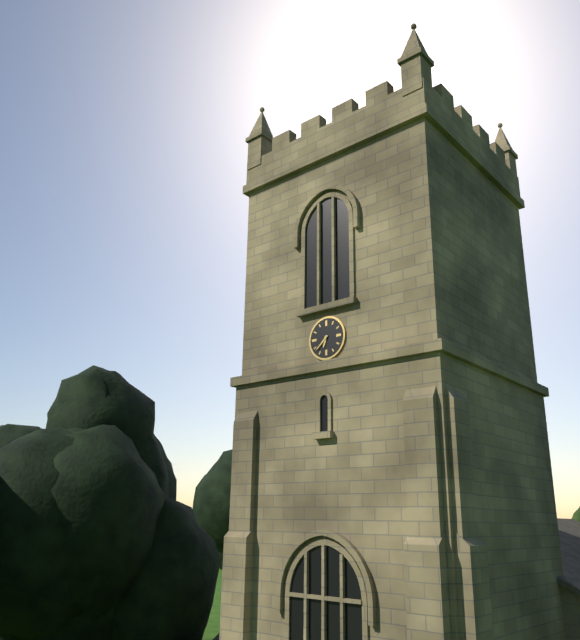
6:38
